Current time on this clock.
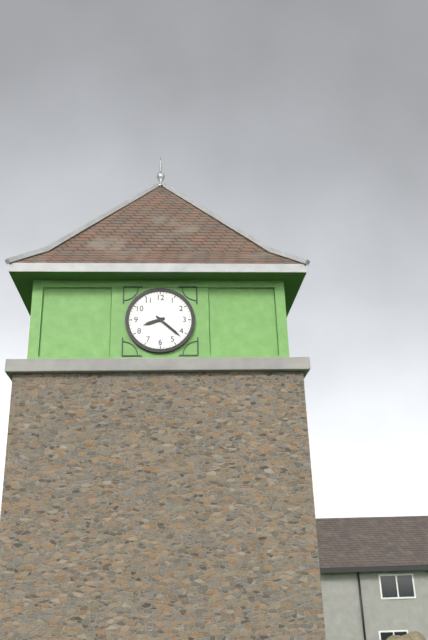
8:22
